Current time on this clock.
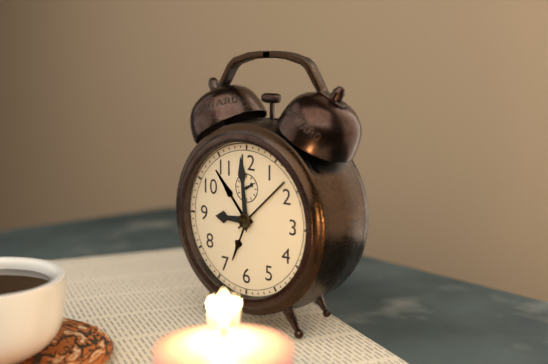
8:59
